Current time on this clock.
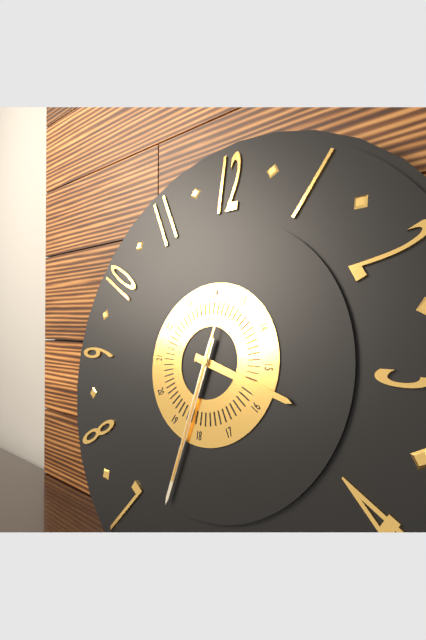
3:32:32
